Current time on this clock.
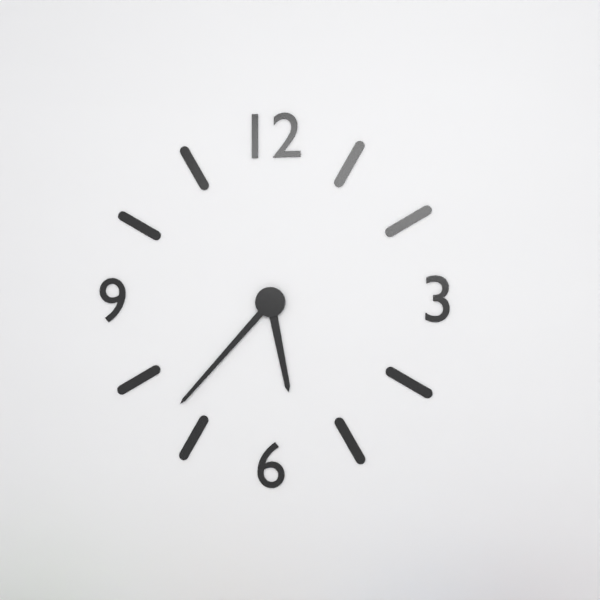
5:37
